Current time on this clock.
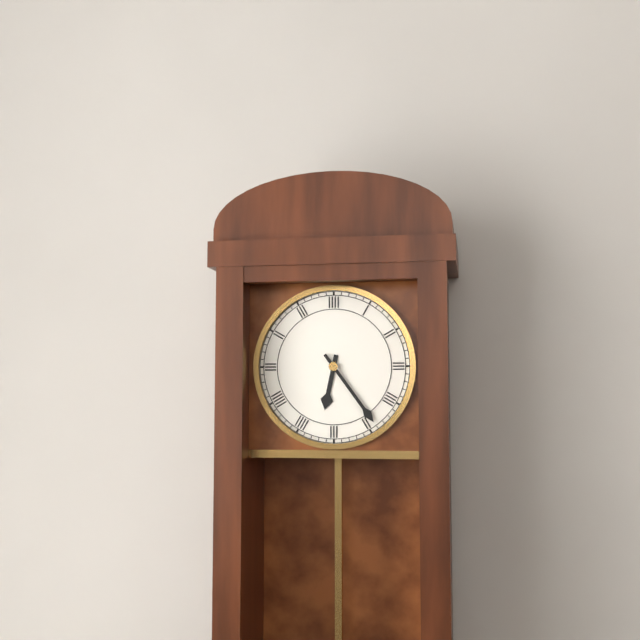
6:24
